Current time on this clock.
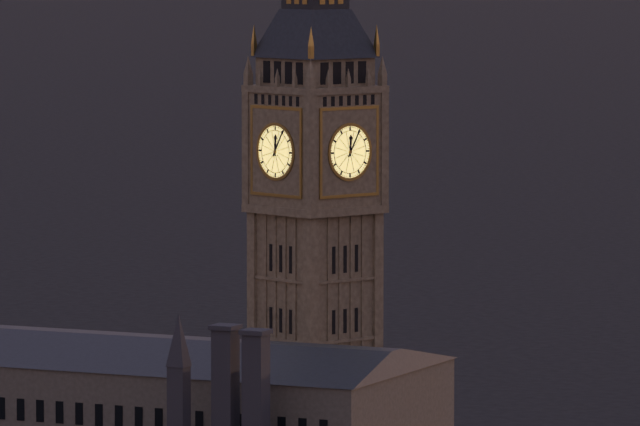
12:05
